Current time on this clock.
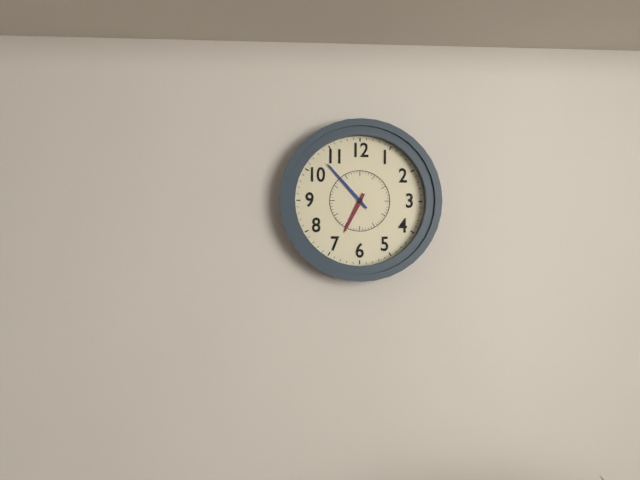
6:53
